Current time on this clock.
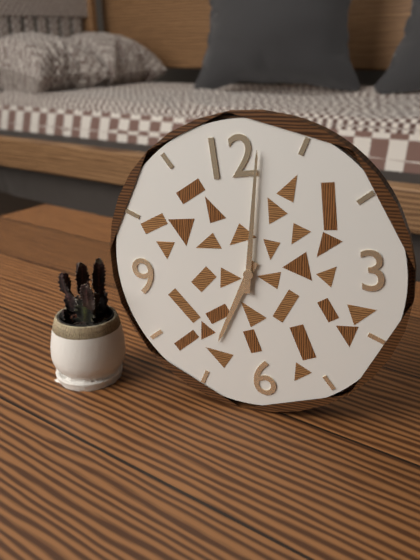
7:02
